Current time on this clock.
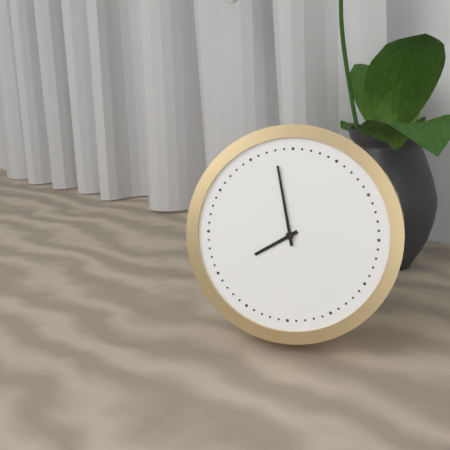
7:58
